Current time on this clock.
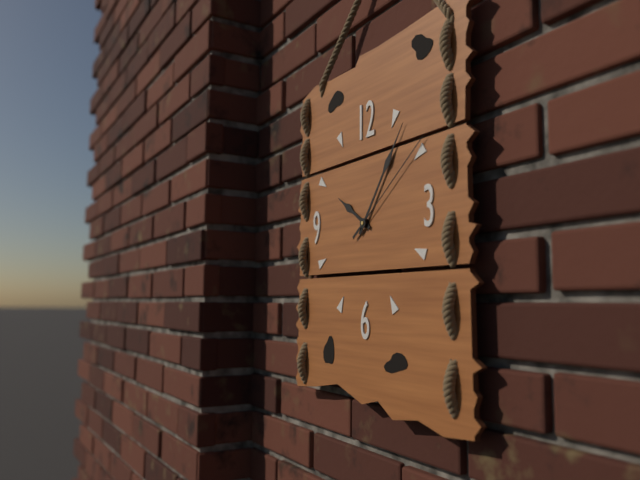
10:06:09
